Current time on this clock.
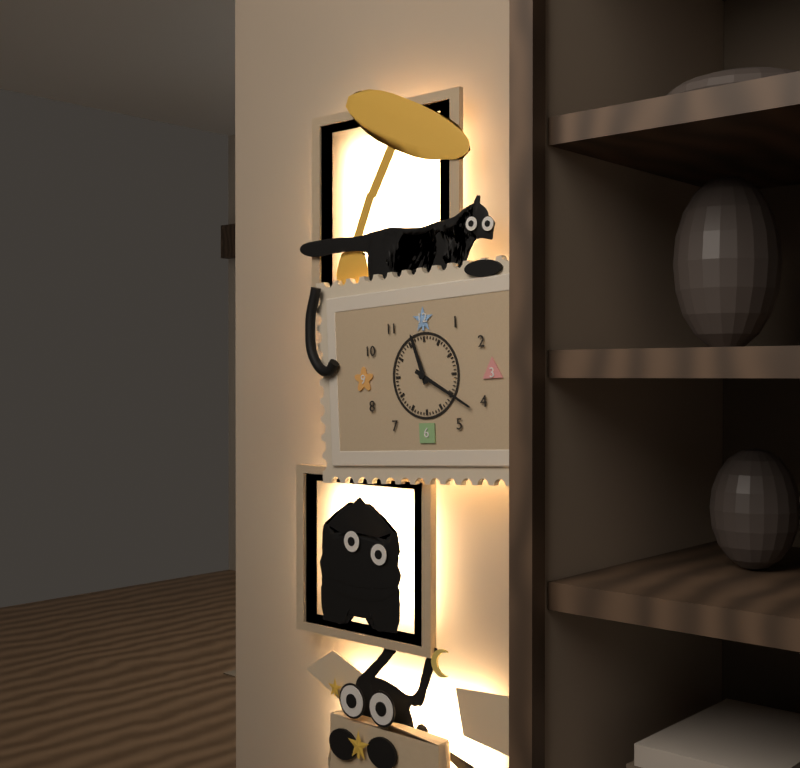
11:20
